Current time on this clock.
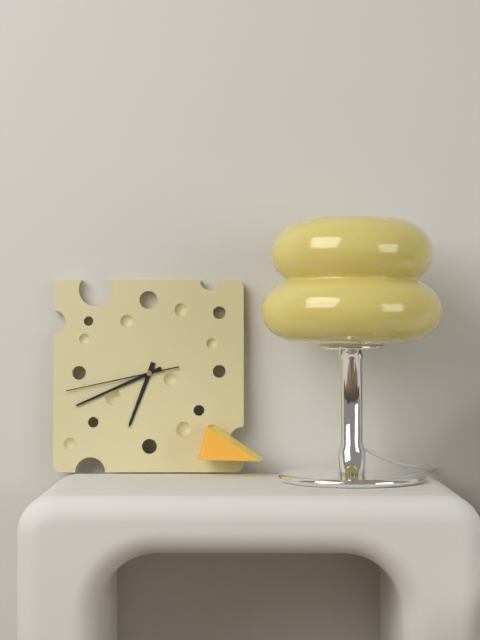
6:41:43
